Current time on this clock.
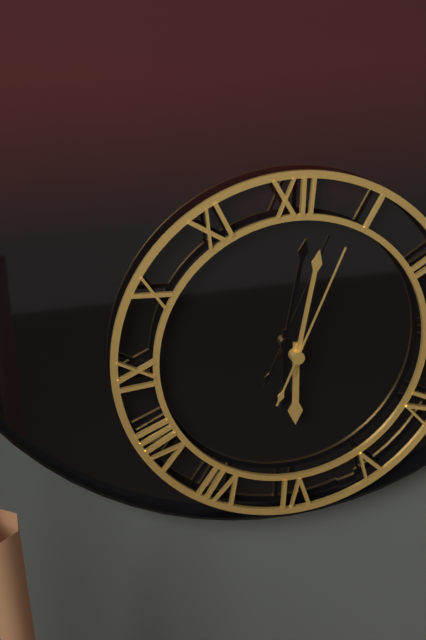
6:02:04
